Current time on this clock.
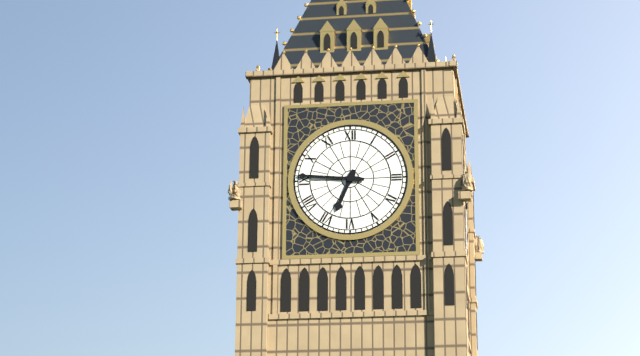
6:46
